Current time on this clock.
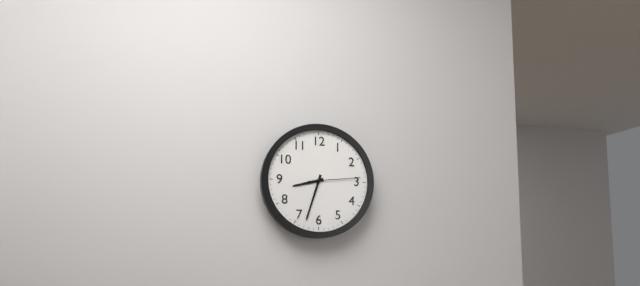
8:33:14
